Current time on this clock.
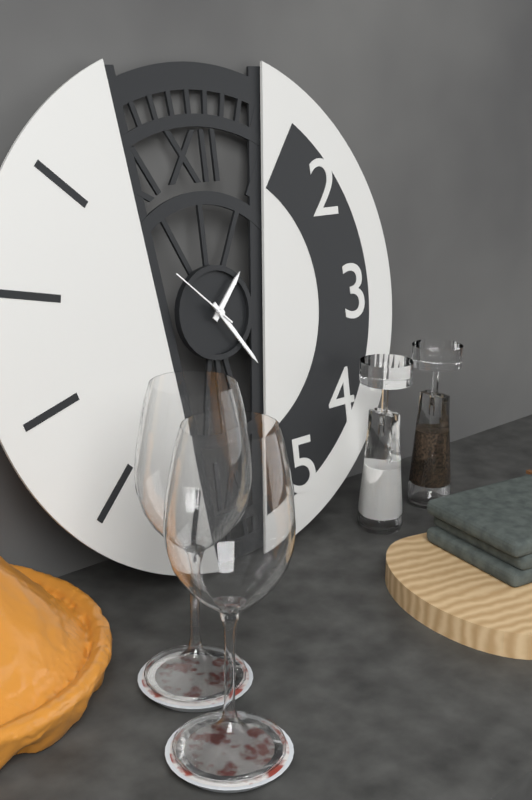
1:24:52
